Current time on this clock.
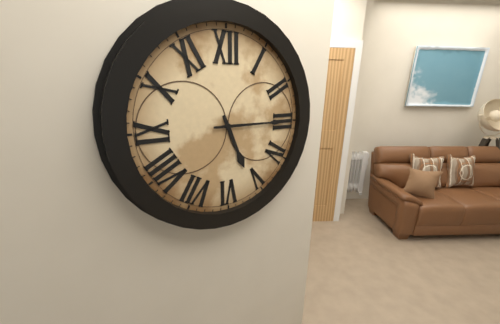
5:15
